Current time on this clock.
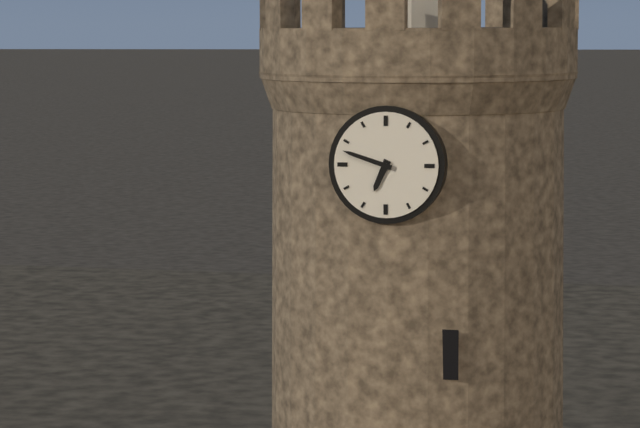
6:48
